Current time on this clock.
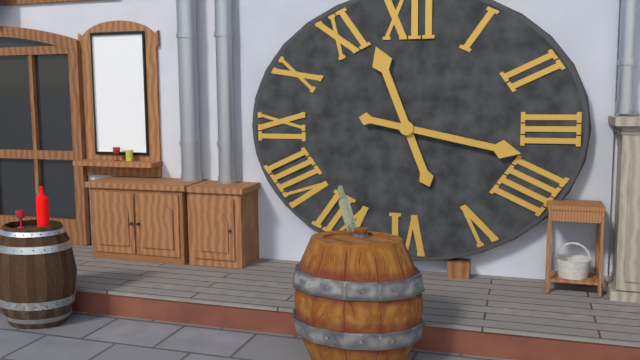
11:17
